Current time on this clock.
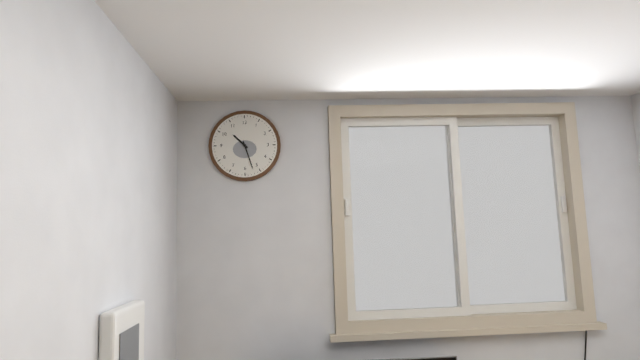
10:27
